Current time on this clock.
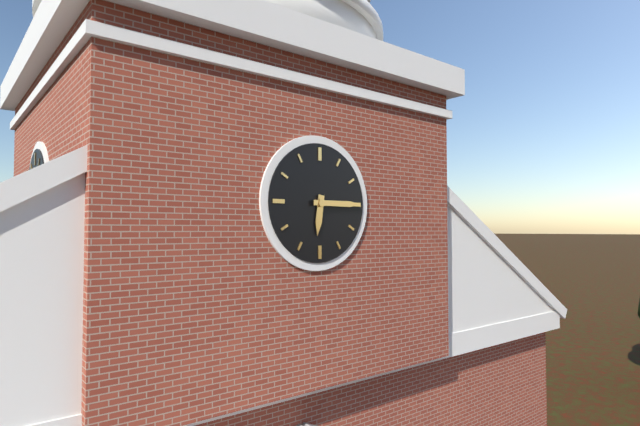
6:15
